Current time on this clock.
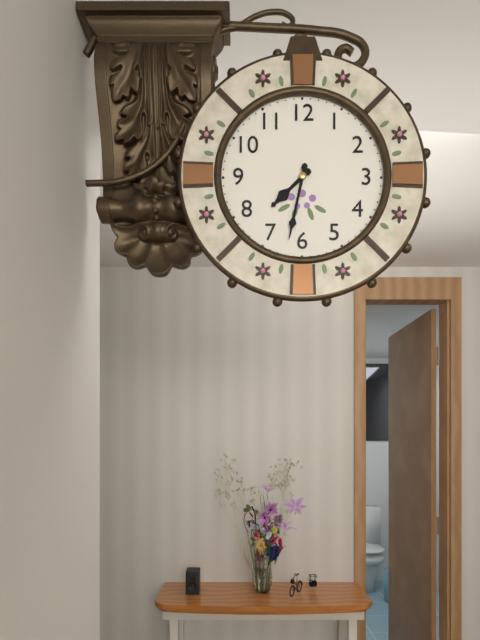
7:32
